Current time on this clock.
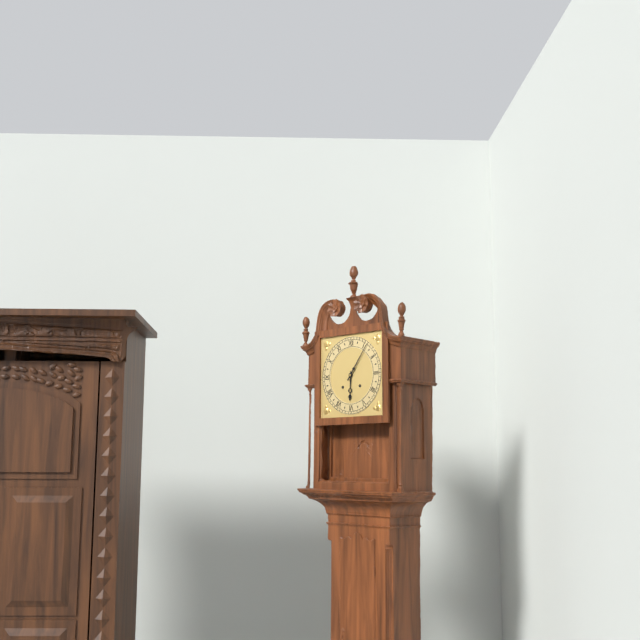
6:06
